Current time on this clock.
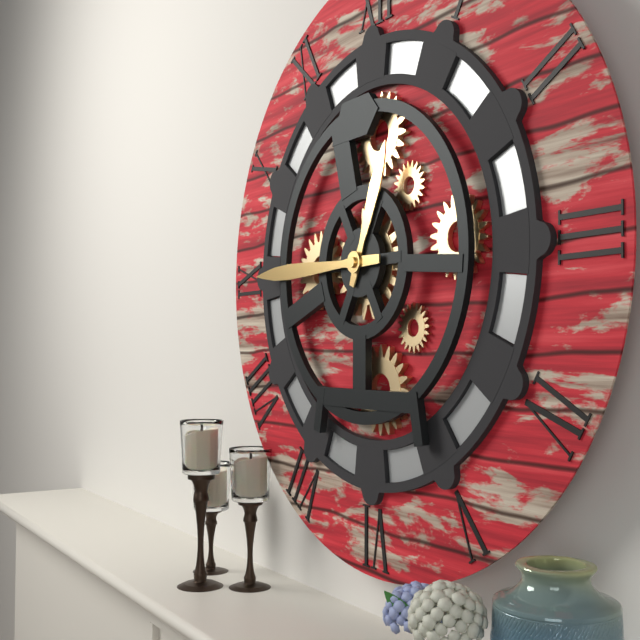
12:45
